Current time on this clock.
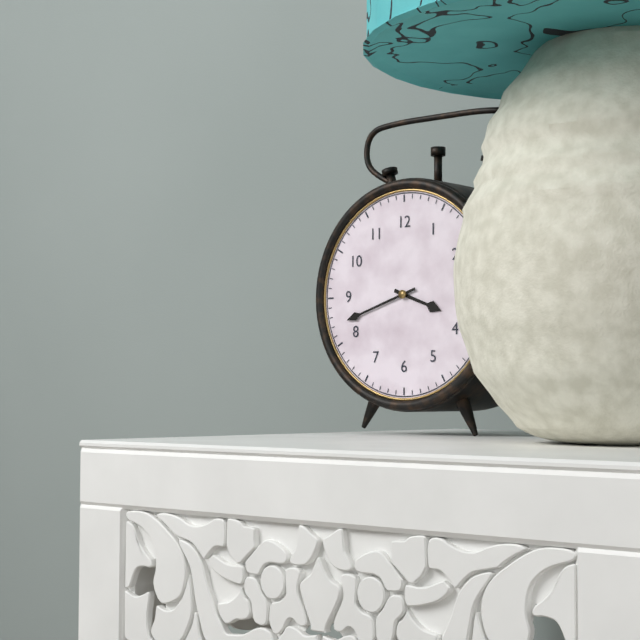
3:42
